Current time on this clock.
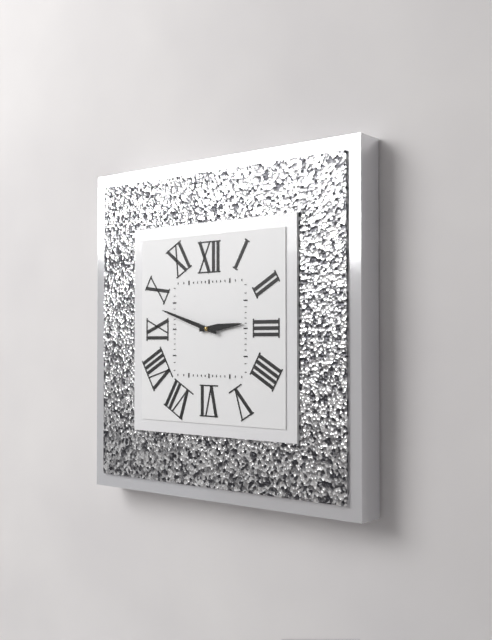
2:48
